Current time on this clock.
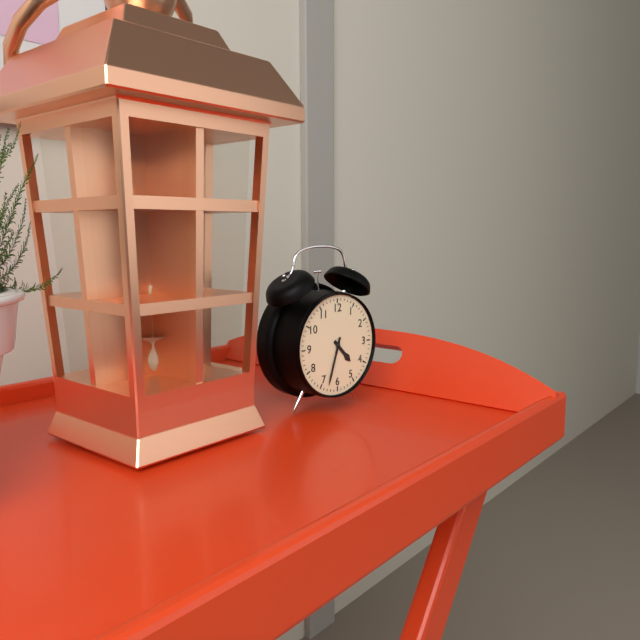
4:33
